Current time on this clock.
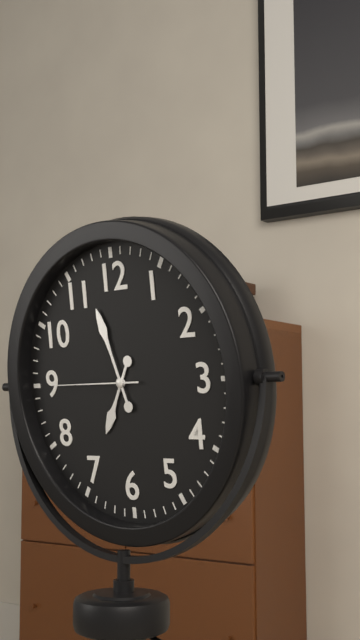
6:57:45
